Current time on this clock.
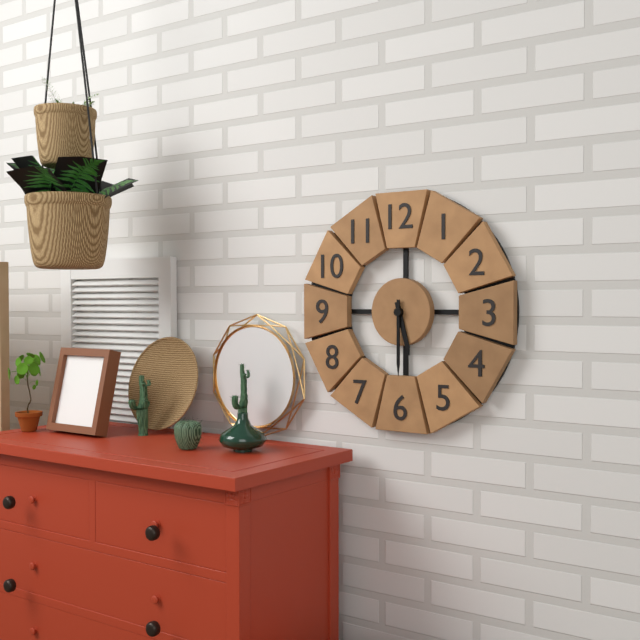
5:30
